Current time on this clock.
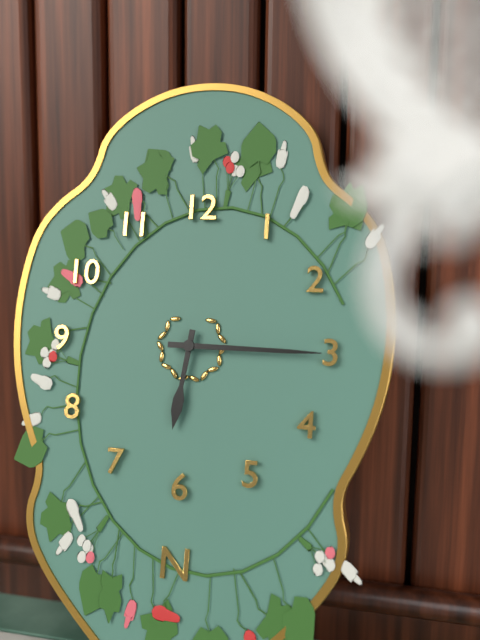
6:15
